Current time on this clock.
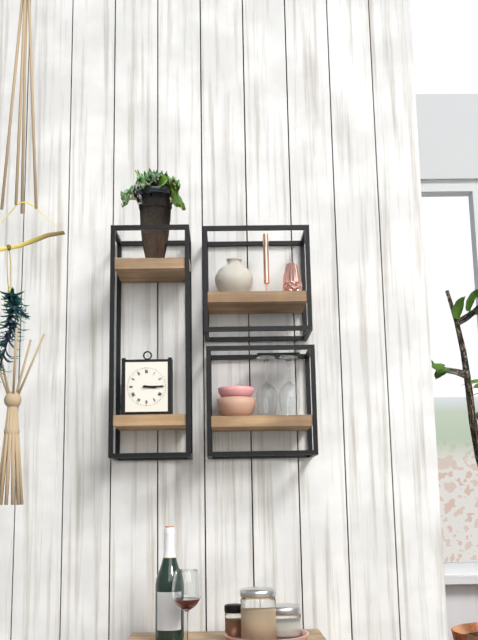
3:15
